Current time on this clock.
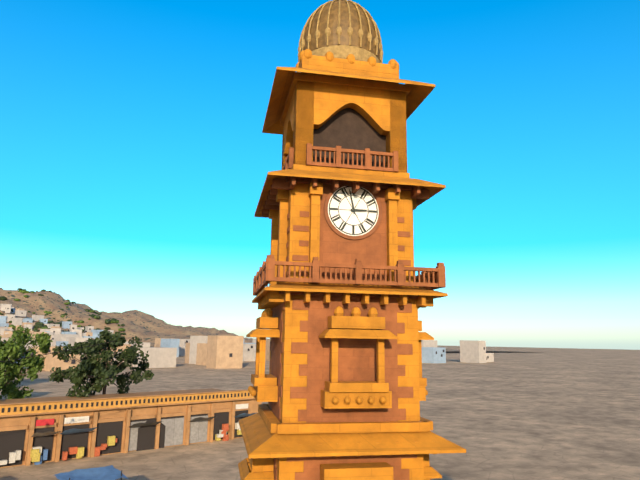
2:58
